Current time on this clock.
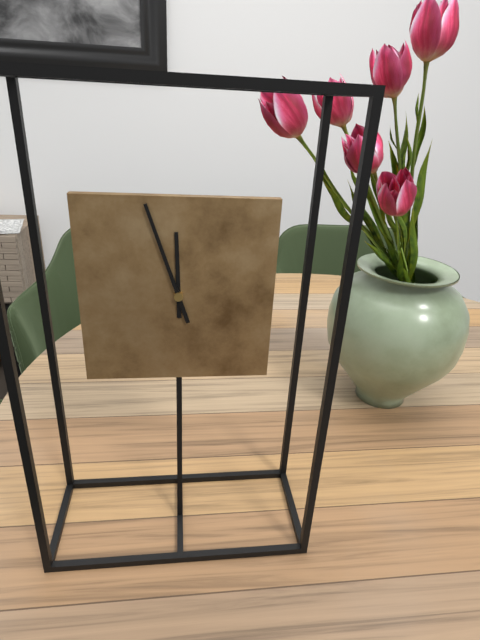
11:57
